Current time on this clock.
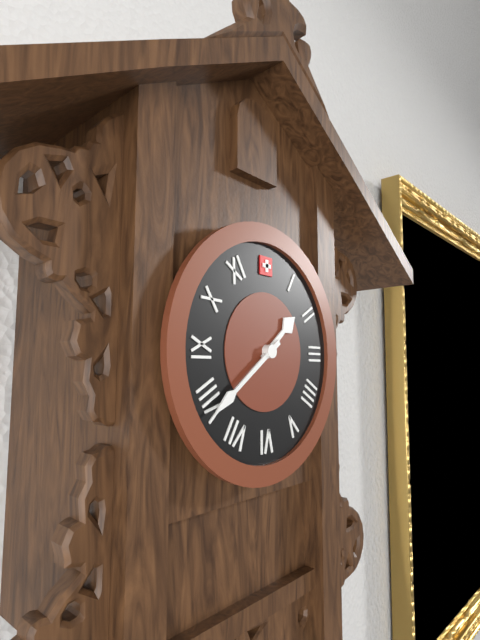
1:39
